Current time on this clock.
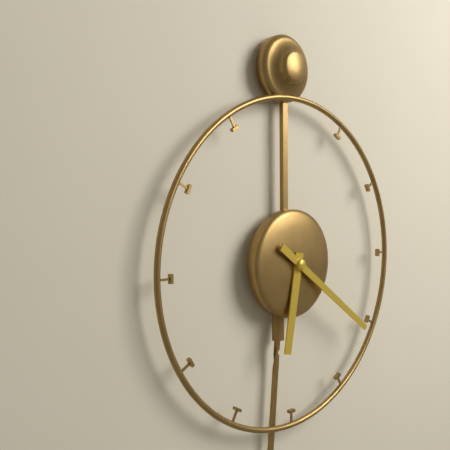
6:21
